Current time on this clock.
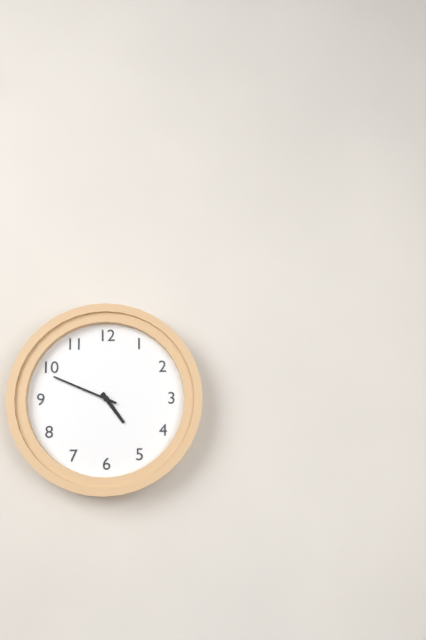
4:49
